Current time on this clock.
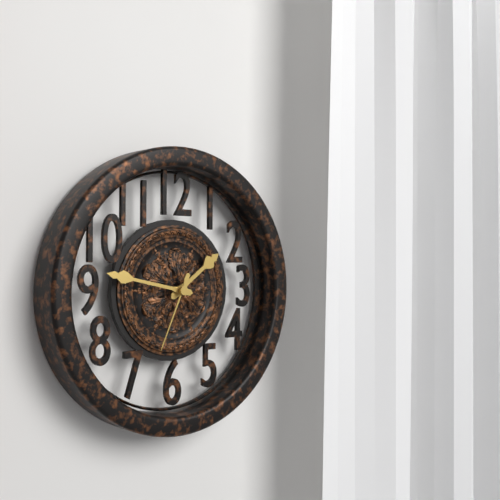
1:47:34
